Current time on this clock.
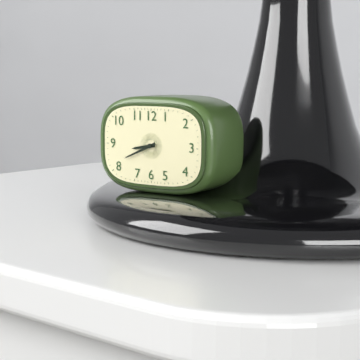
8:41
